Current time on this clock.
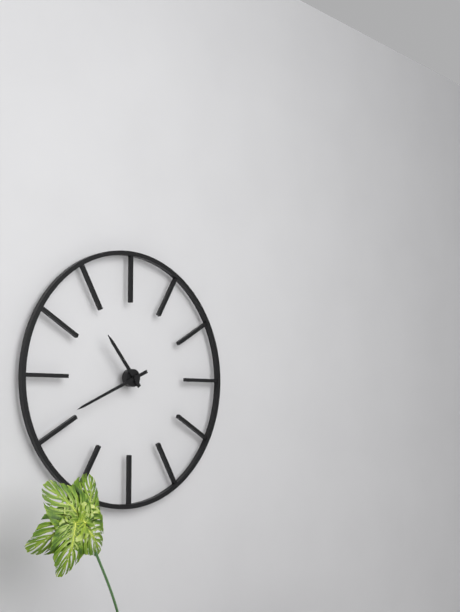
10:41
